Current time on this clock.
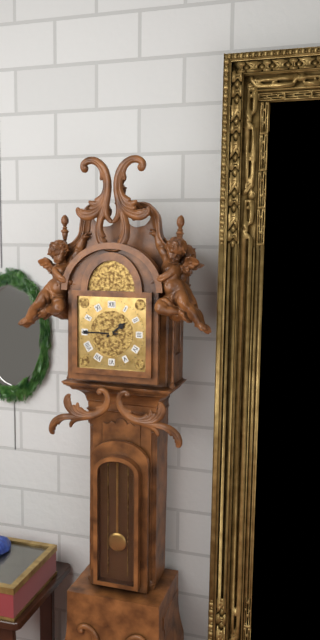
1:45
